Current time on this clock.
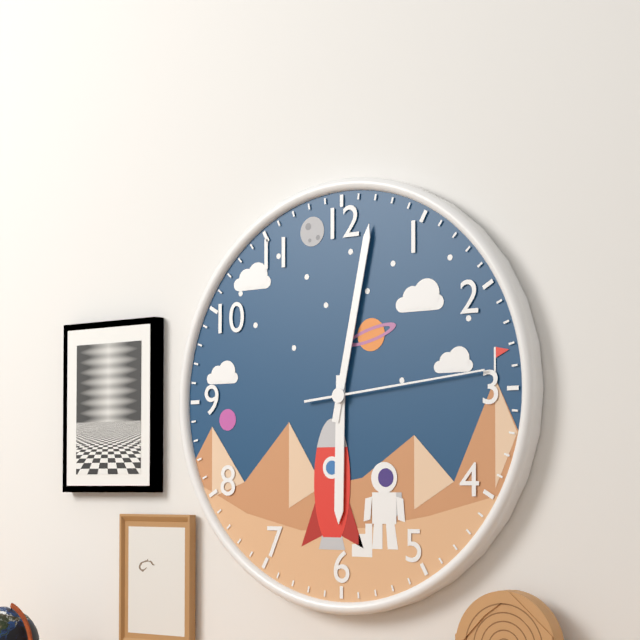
6:02:14
